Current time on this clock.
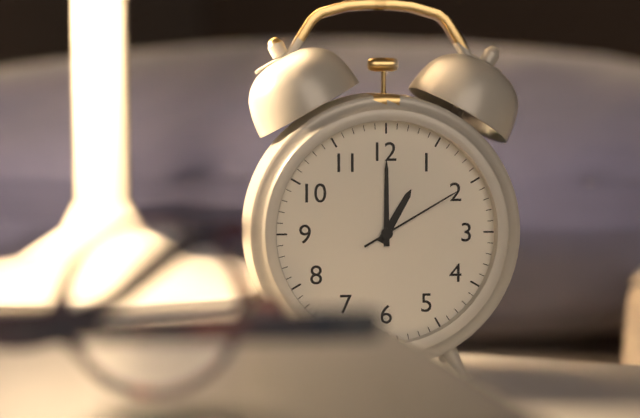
1:00:10
